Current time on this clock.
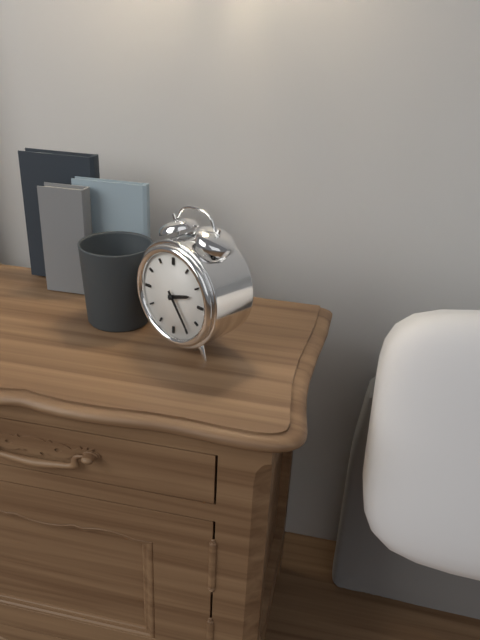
2:24
